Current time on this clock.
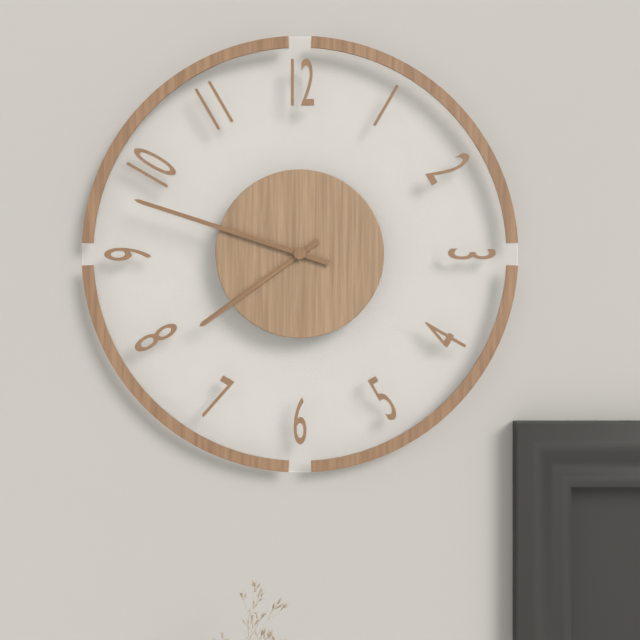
7:48
